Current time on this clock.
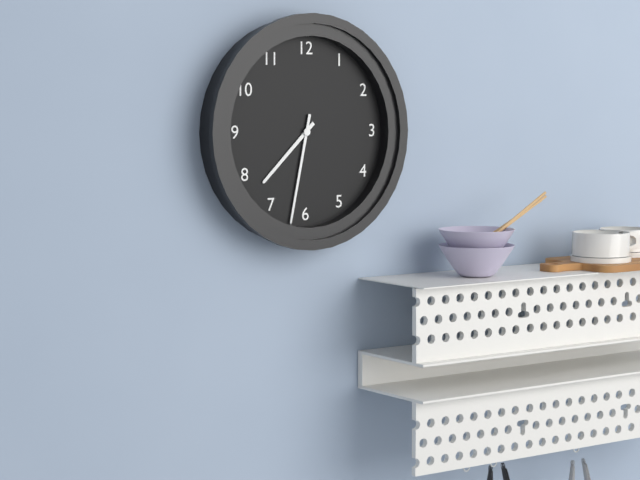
7:32
